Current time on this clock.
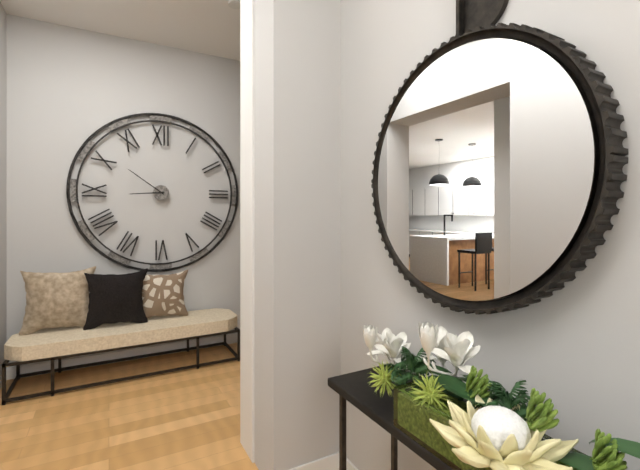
8:51
